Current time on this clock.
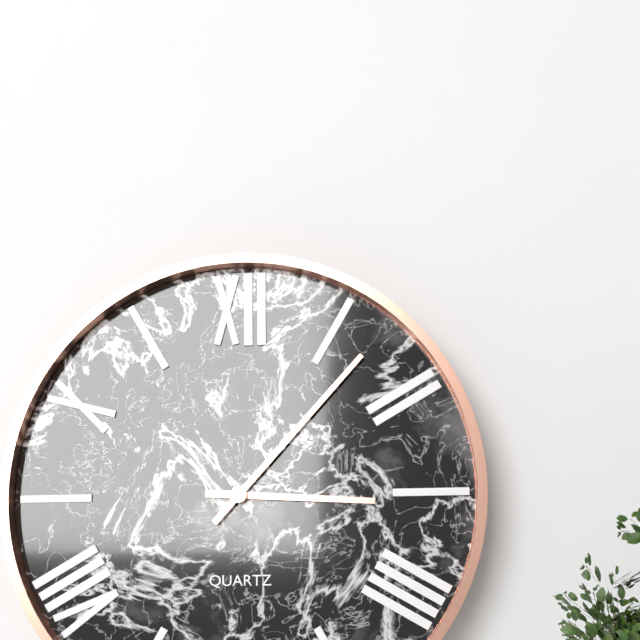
3:07
